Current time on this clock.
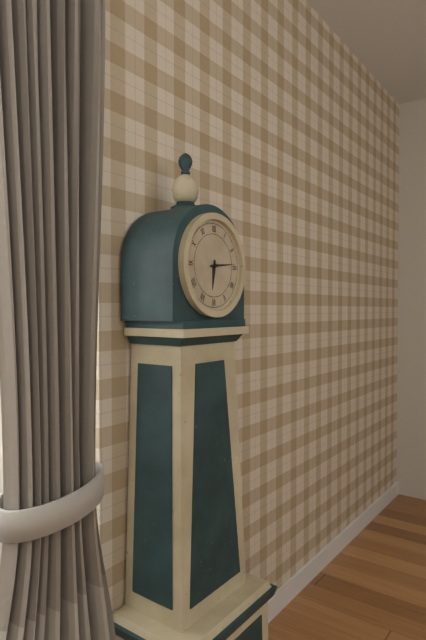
6:14
